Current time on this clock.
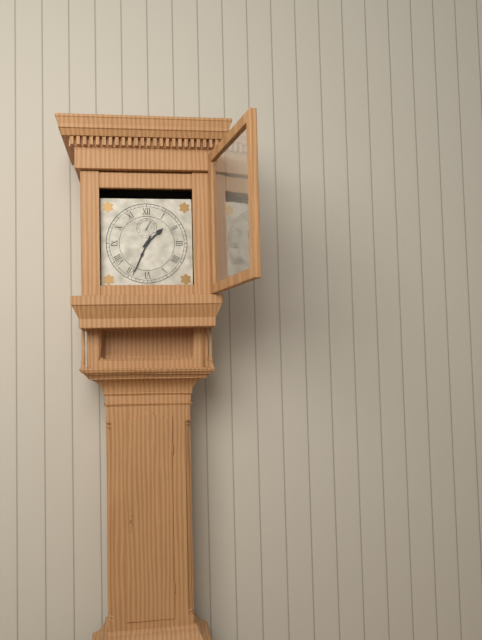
1:34
